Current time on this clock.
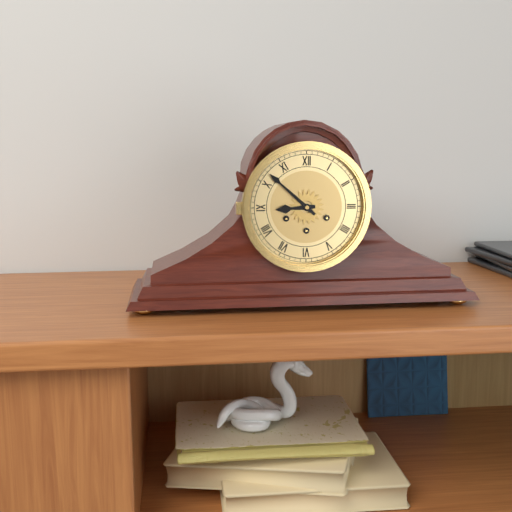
8:52
